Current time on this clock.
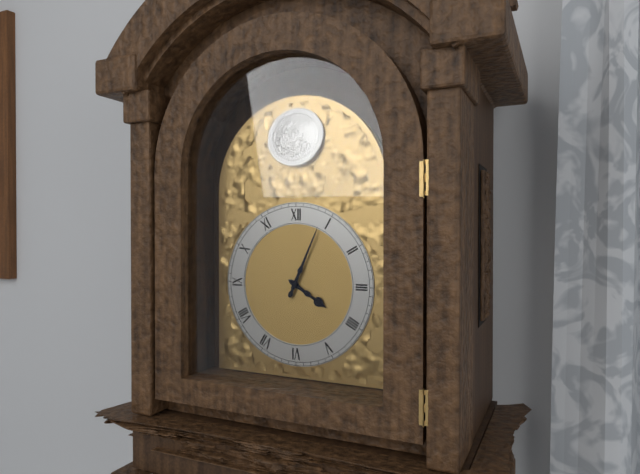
4:04
